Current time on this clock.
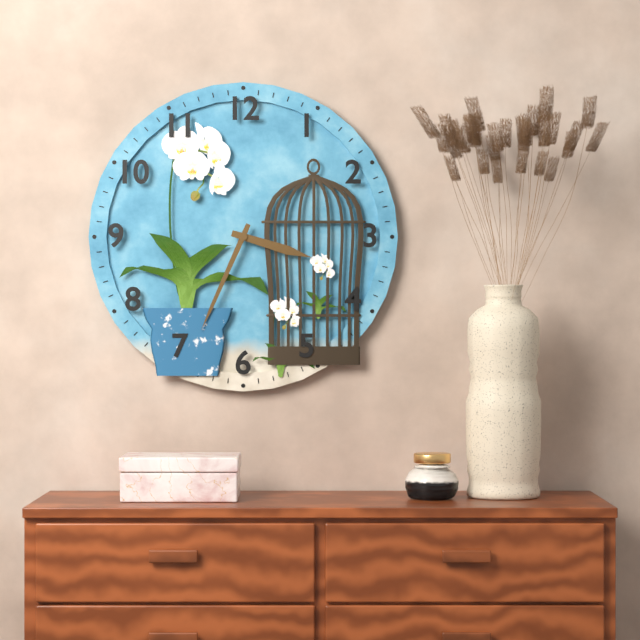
3:34
